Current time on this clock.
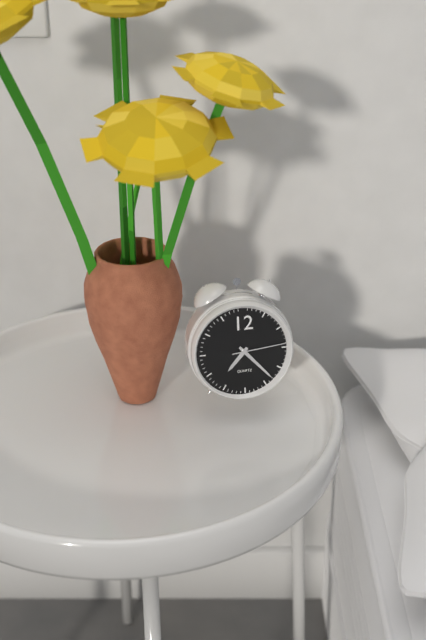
7:23:14
